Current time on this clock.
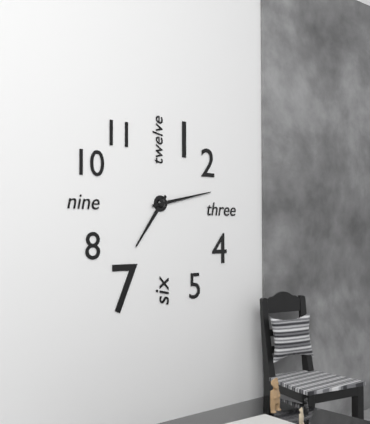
7:13
